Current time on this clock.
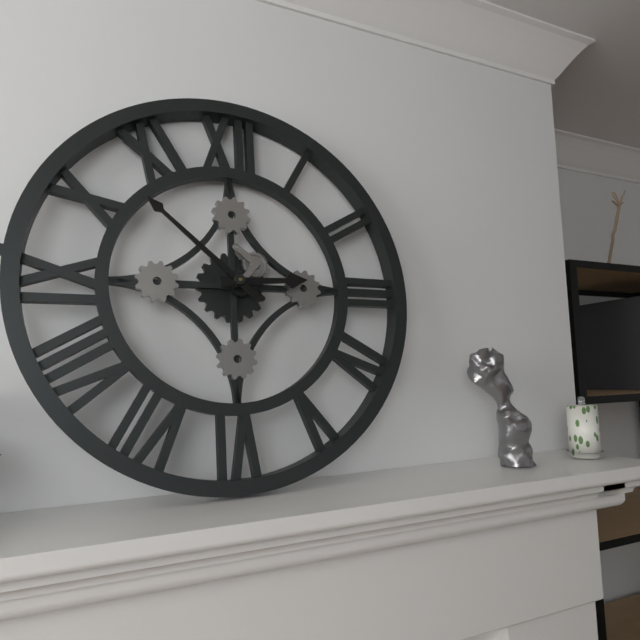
2:52
